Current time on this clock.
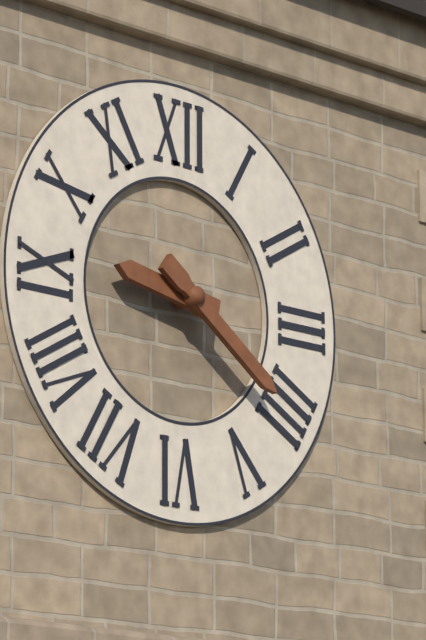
9:21
